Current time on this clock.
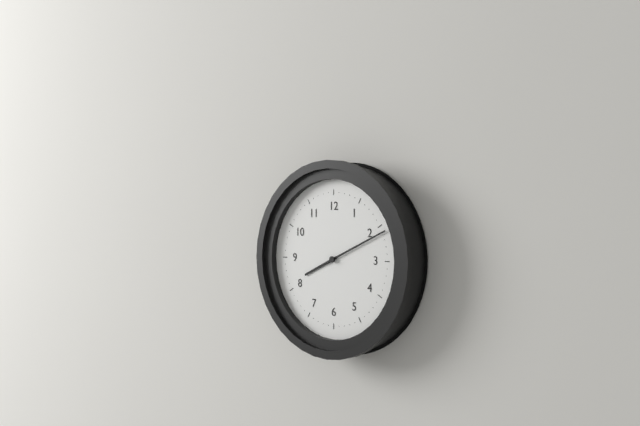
8:11
